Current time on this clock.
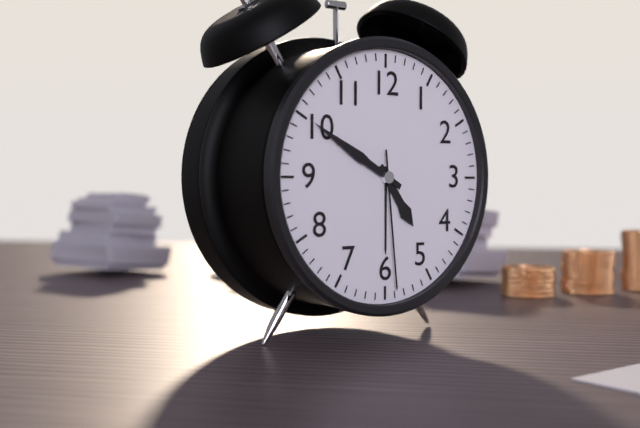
4:50:29
